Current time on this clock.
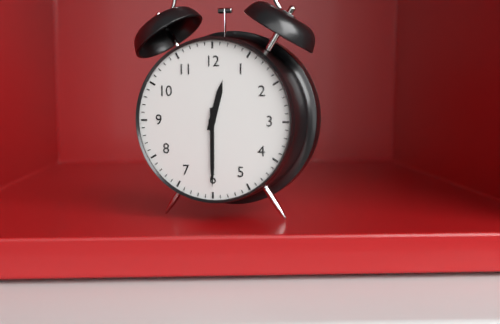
12:30
